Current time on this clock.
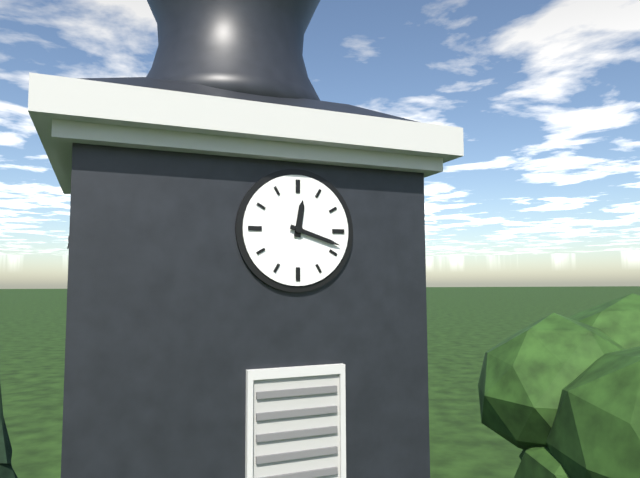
12:18
